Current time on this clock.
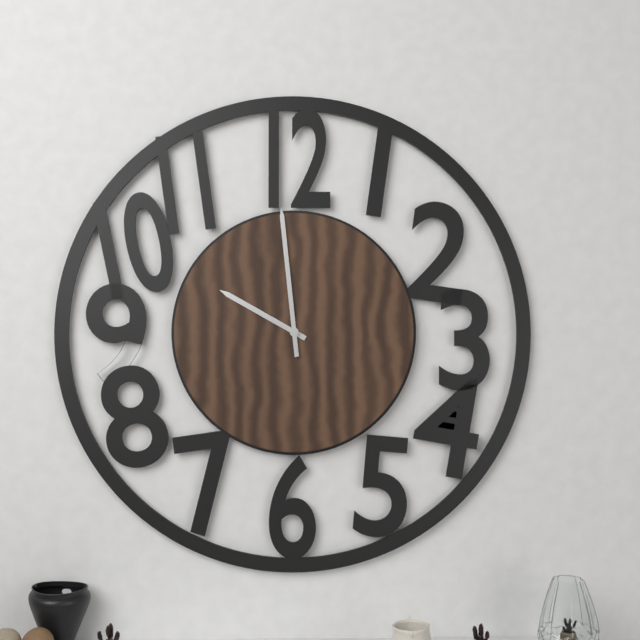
9:59
